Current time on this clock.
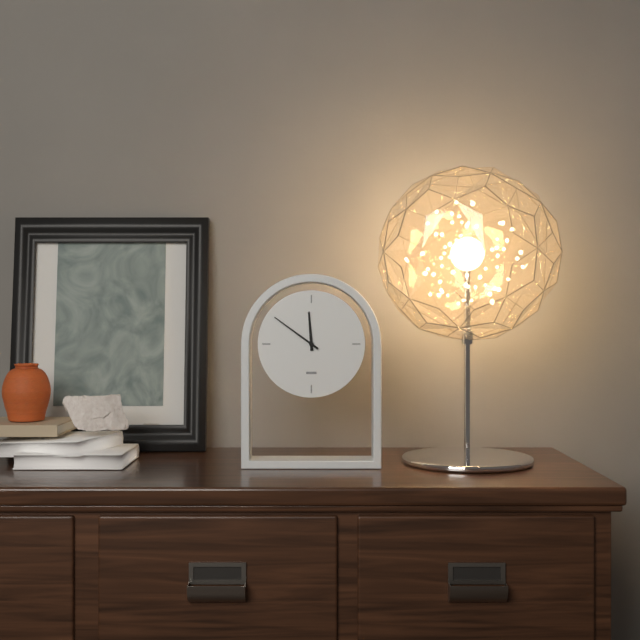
11:51
